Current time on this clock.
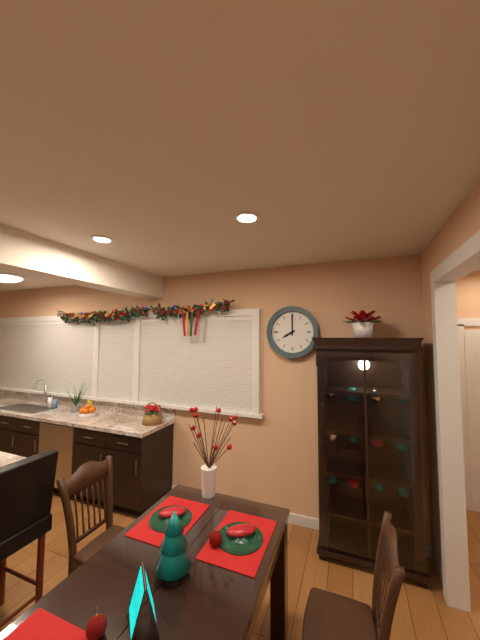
8:00
